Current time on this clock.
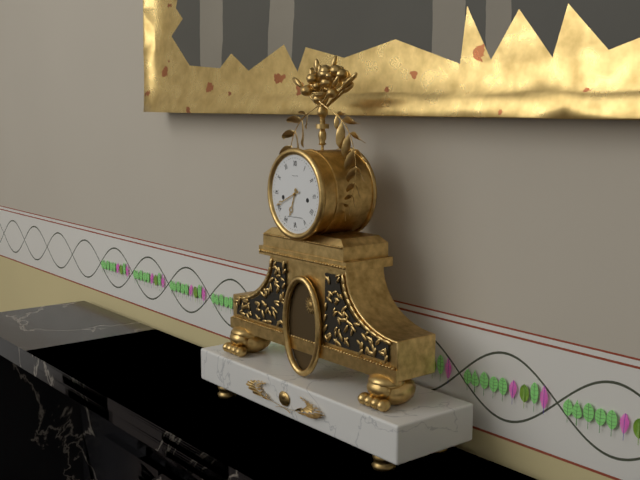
6:41
